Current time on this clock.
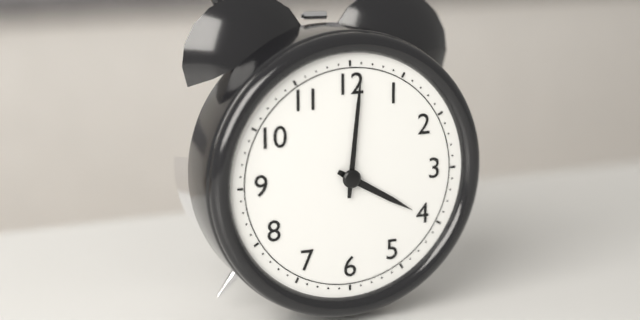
4:01
